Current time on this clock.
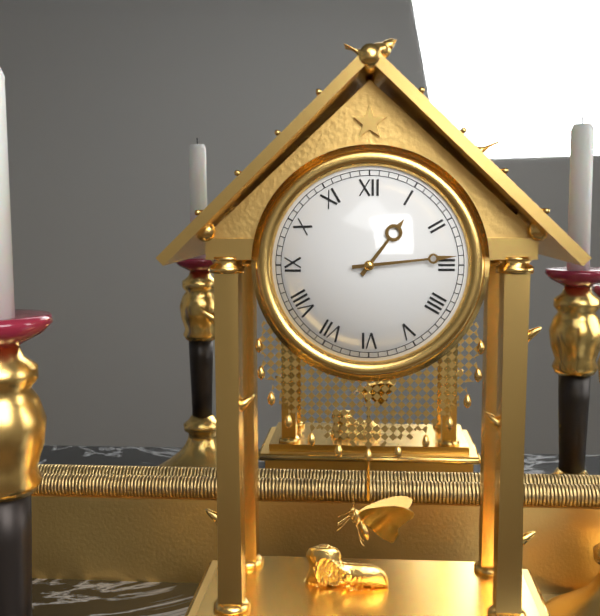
1:14
